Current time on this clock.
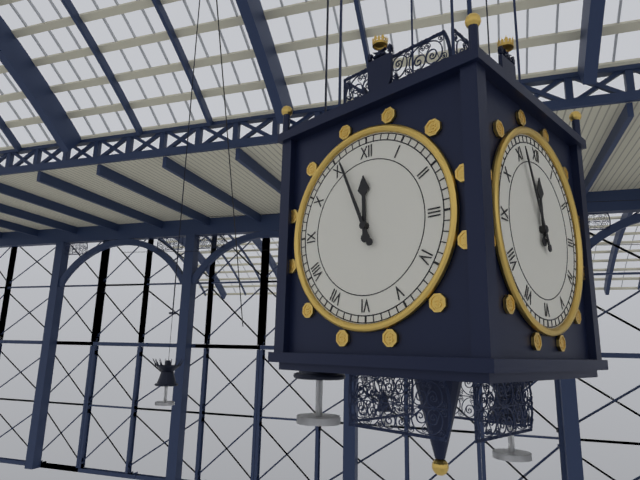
11:56
